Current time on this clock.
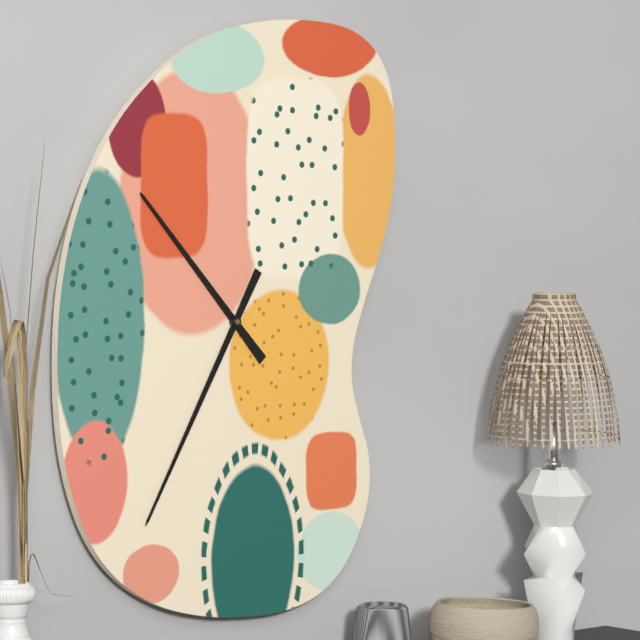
10:35
